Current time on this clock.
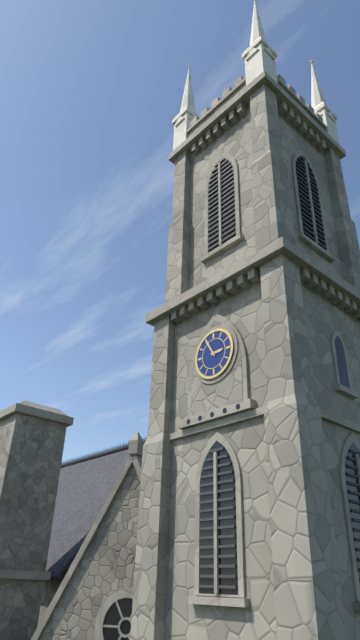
2:55
